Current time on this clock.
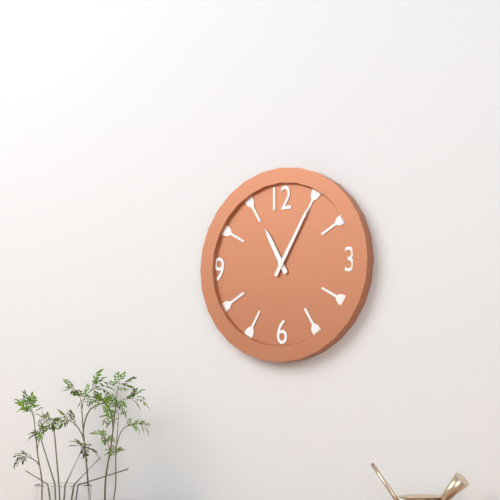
11:05
